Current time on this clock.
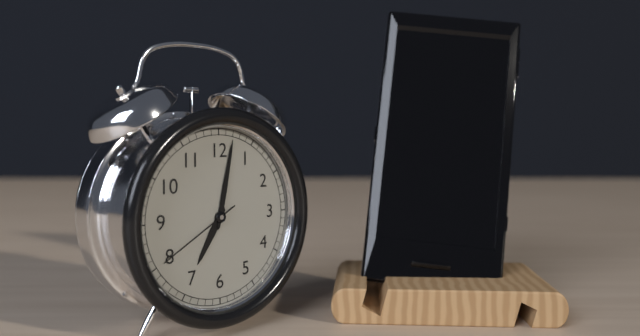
7:02:40
